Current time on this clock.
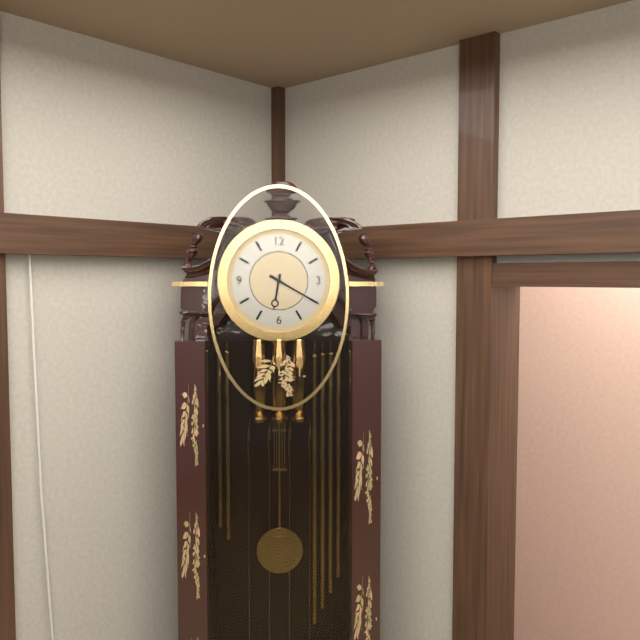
6:20
